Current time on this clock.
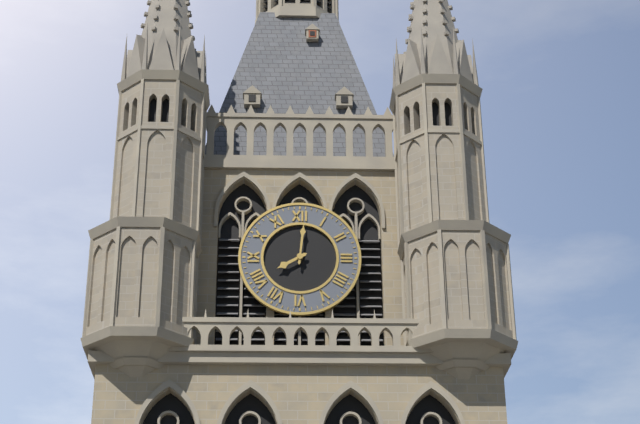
8:01
